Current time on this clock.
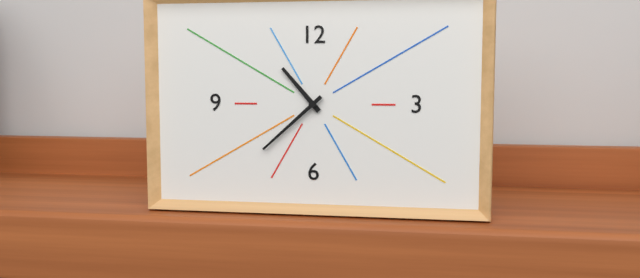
10:38
